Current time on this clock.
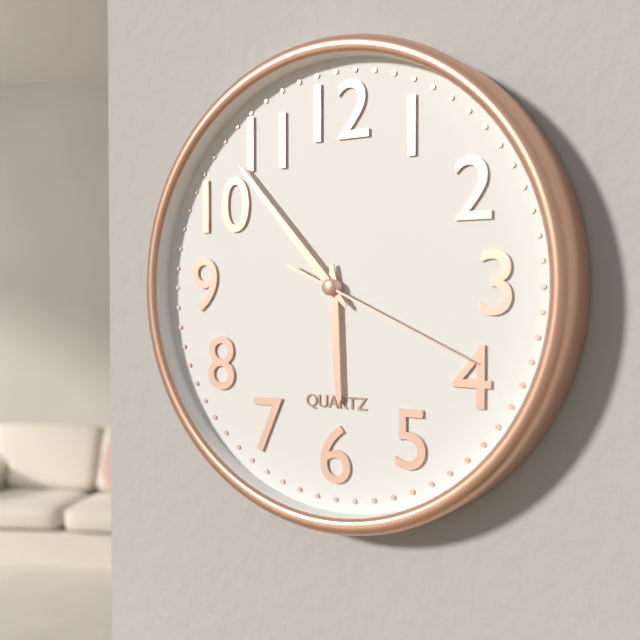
5:53:19
